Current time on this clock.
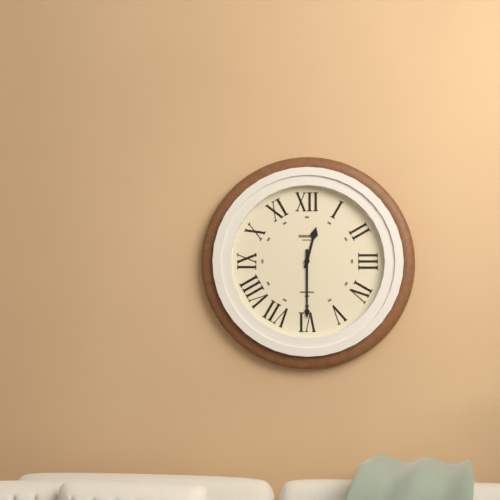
12:30
